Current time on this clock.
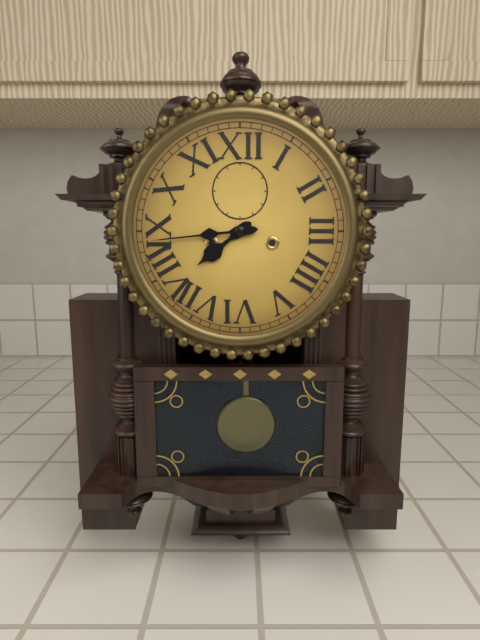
7:44
